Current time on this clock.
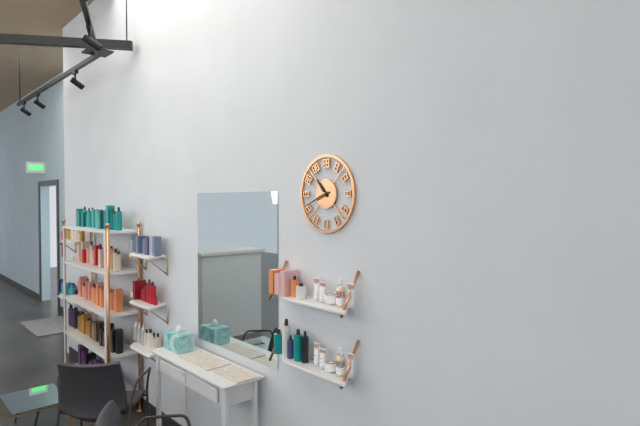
10:41
